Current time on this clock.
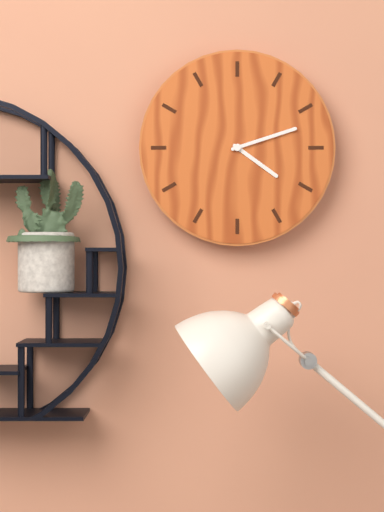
4:12
